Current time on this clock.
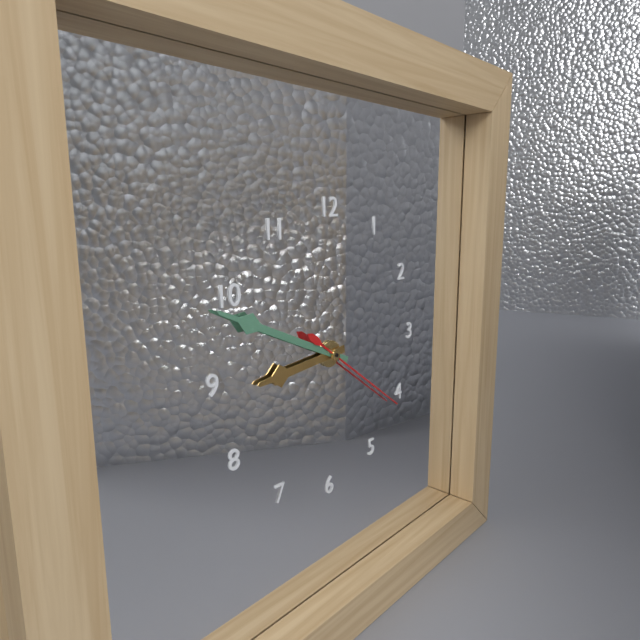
8:49:21
